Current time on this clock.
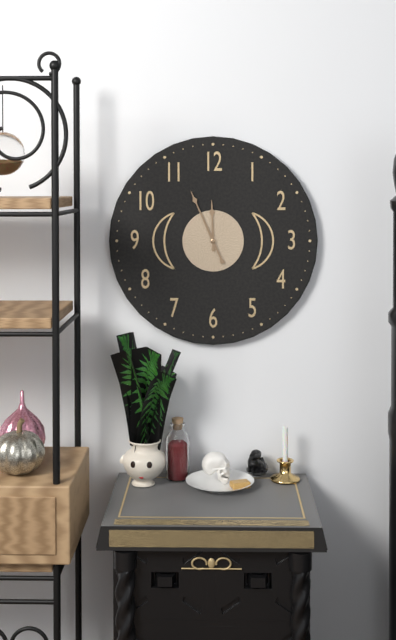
11:56
